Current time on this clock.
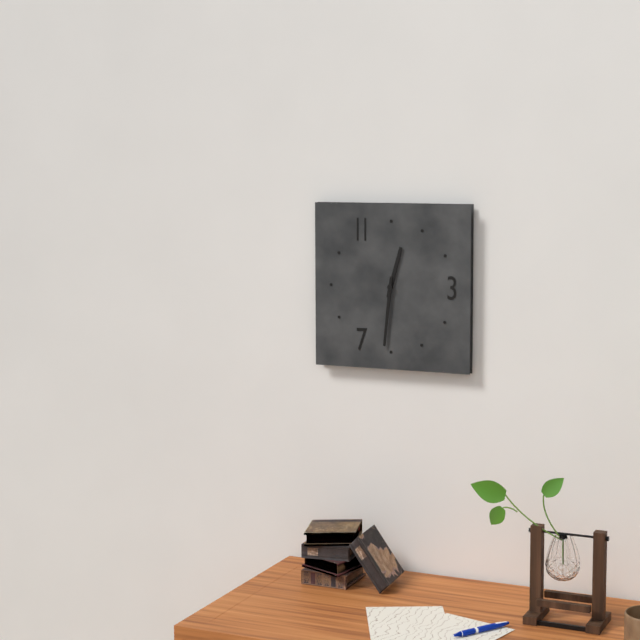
12:31
